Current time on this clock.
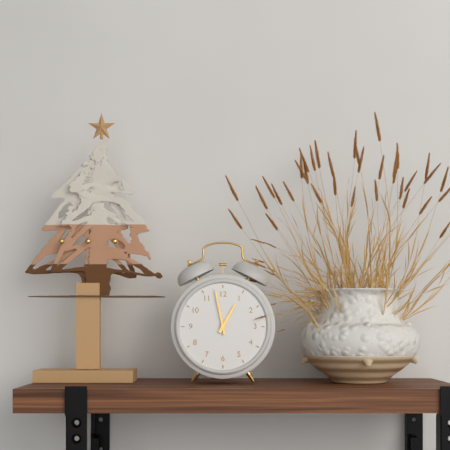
12:58
